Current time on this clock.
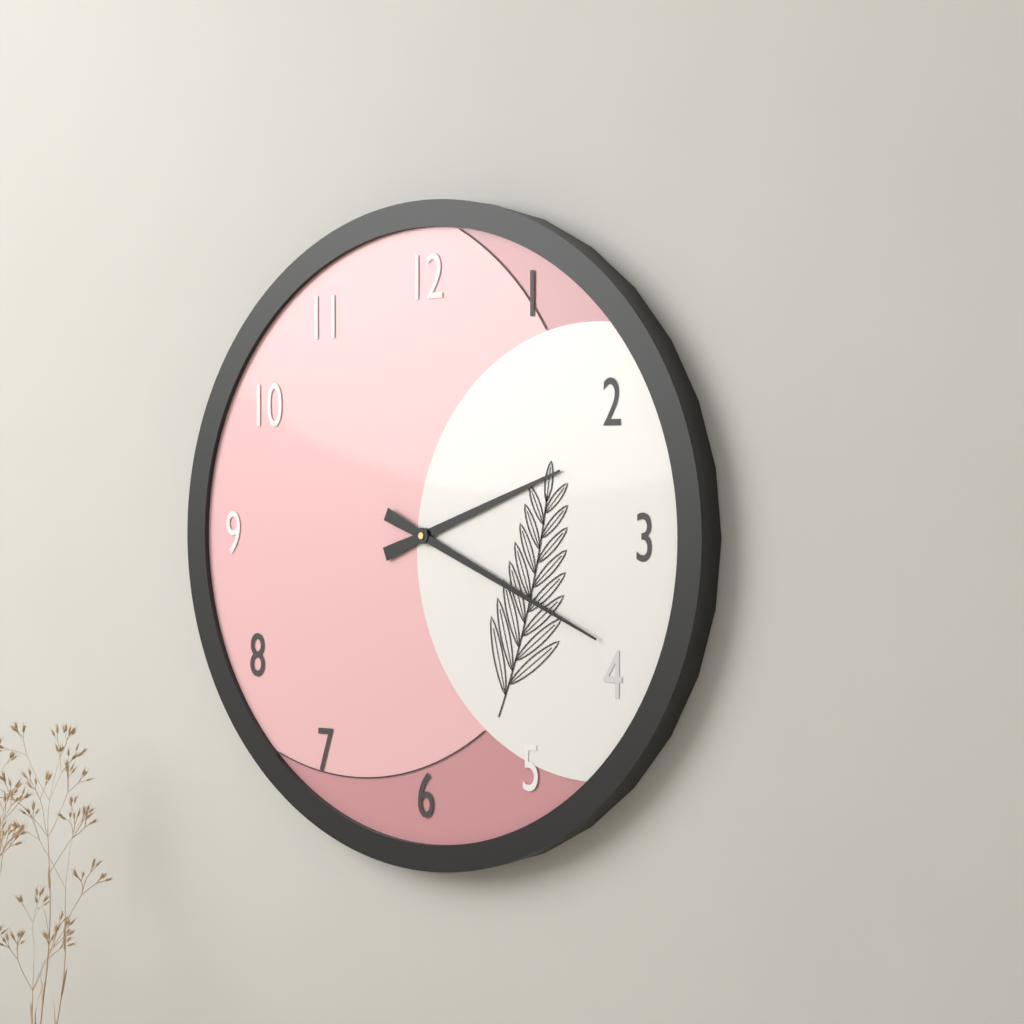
2:19
